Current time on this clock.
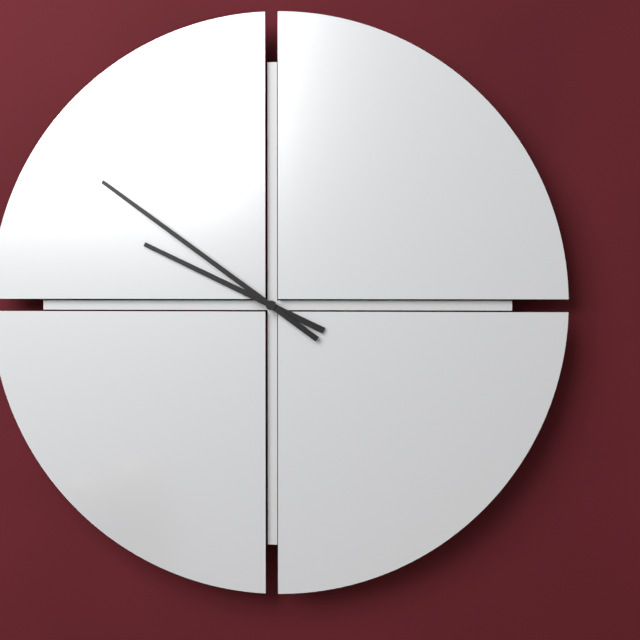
9:51
